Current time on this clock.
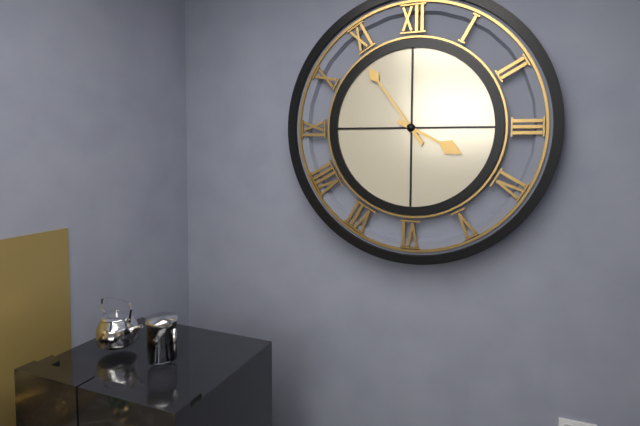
3:54
